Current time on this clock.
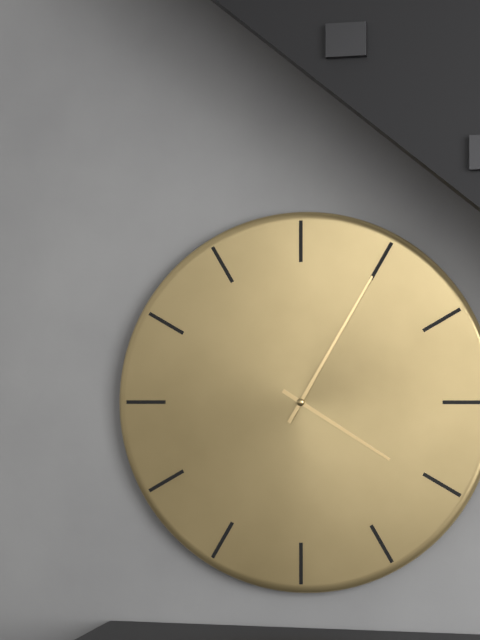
4:05
